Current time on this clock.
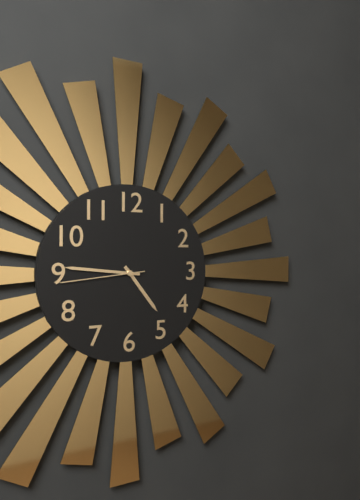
4:46:44
